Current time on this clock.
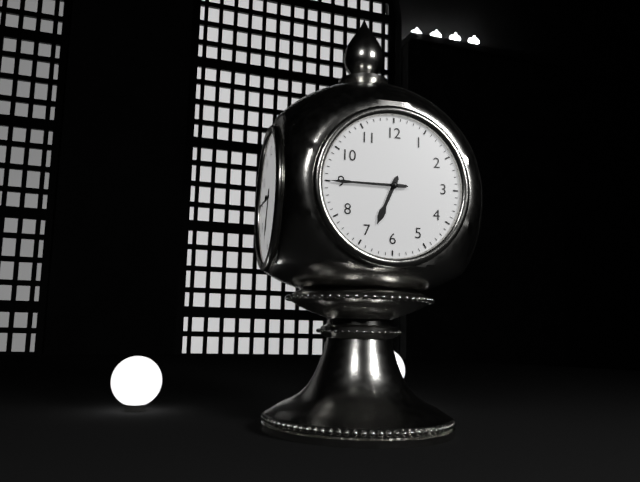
6:45
